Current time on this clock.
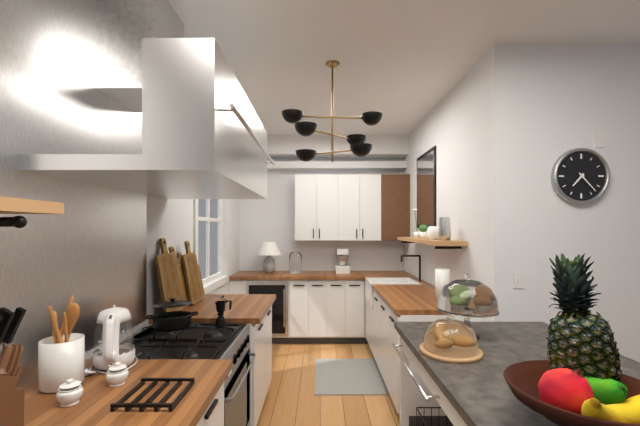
7:23
